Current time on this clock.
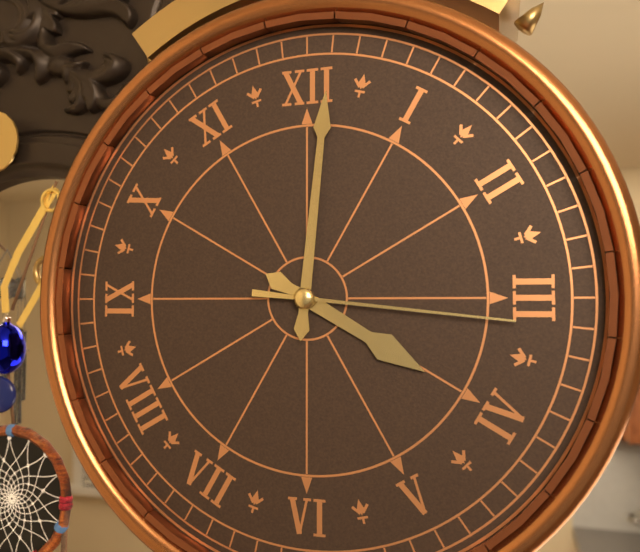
4:01:16
